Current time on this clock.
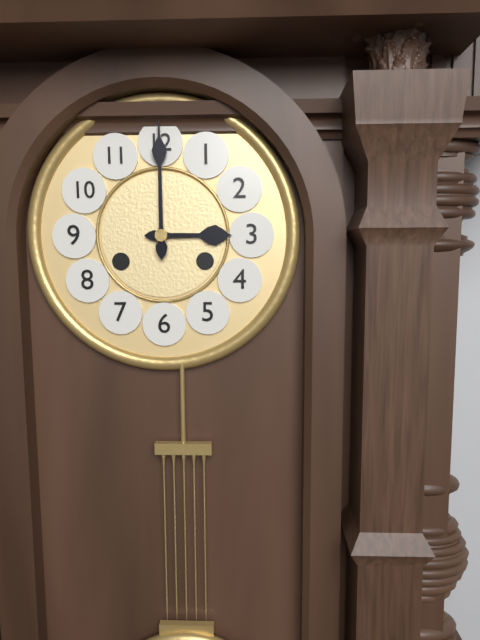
3:00
